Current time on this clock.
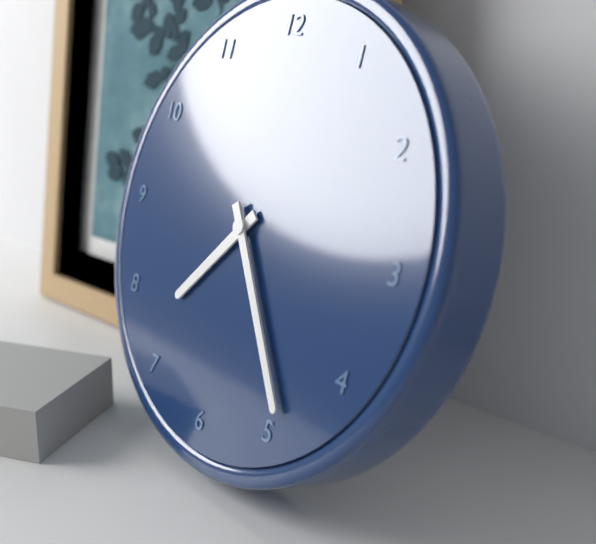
7:24
